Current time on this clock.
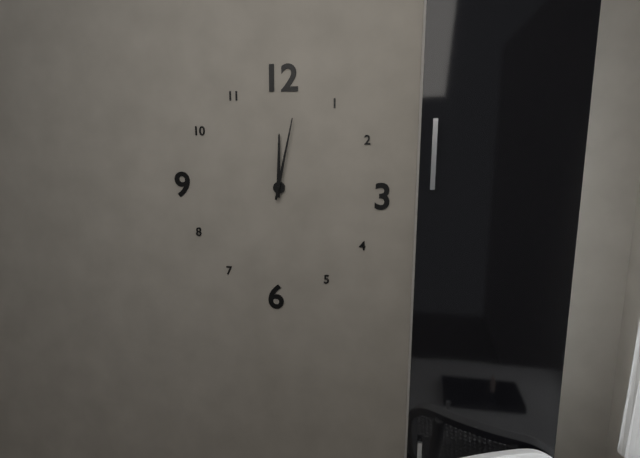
12:02
